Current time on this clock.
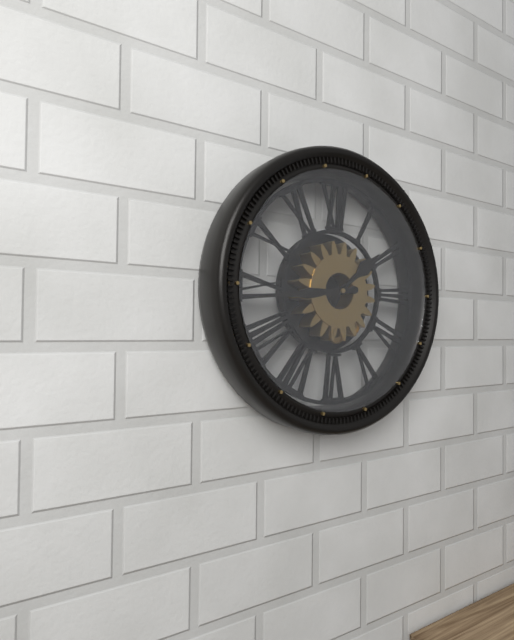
1:44
